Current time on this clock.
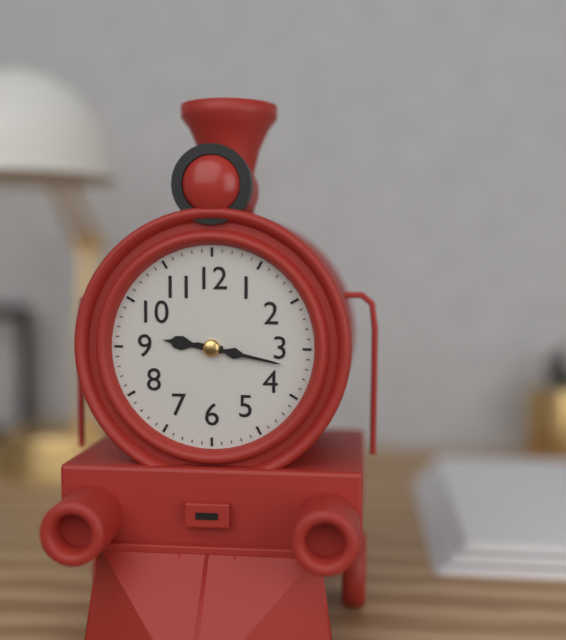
9:17
